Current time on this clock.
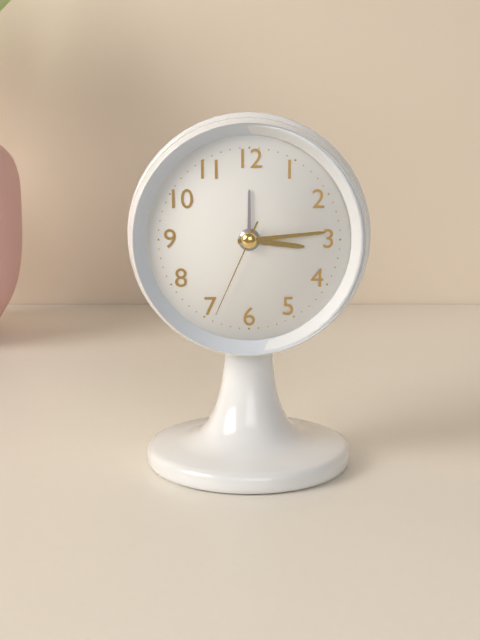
3:14:34
